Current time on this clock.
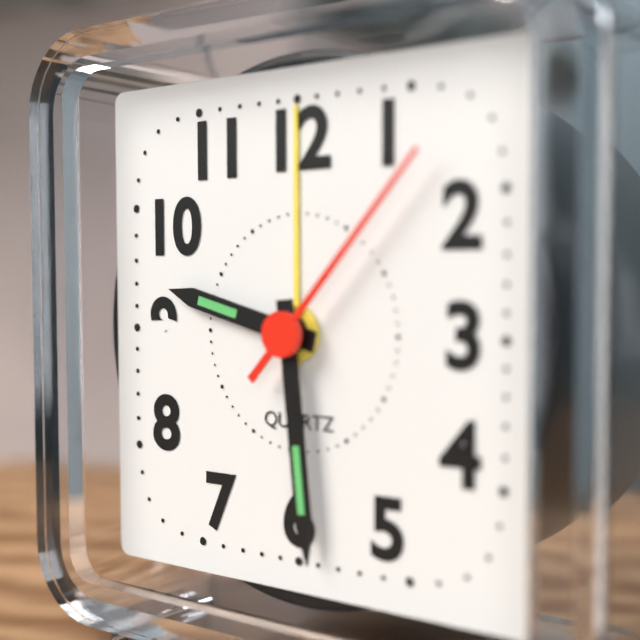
9:29:07
